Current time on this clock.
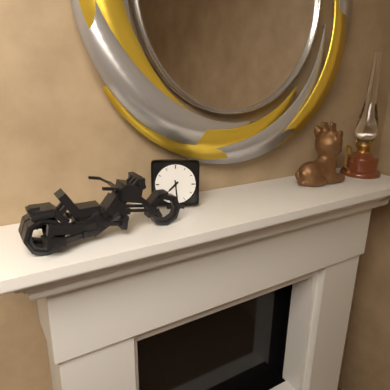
7:29
